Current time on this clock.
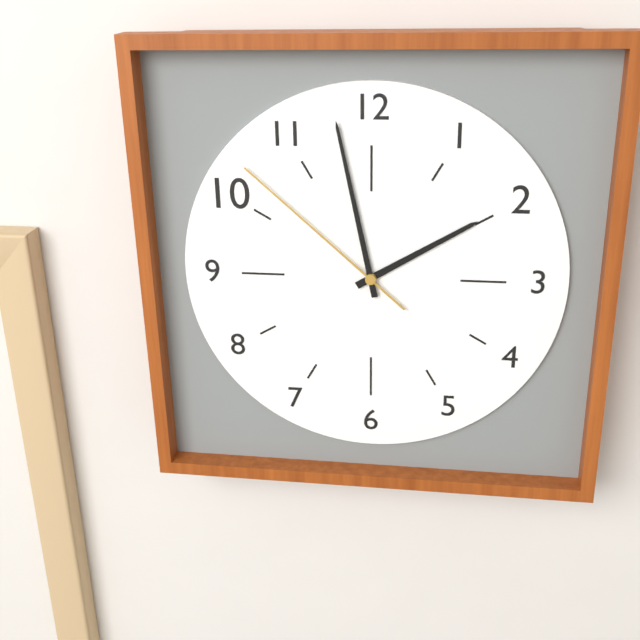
1:58:52
